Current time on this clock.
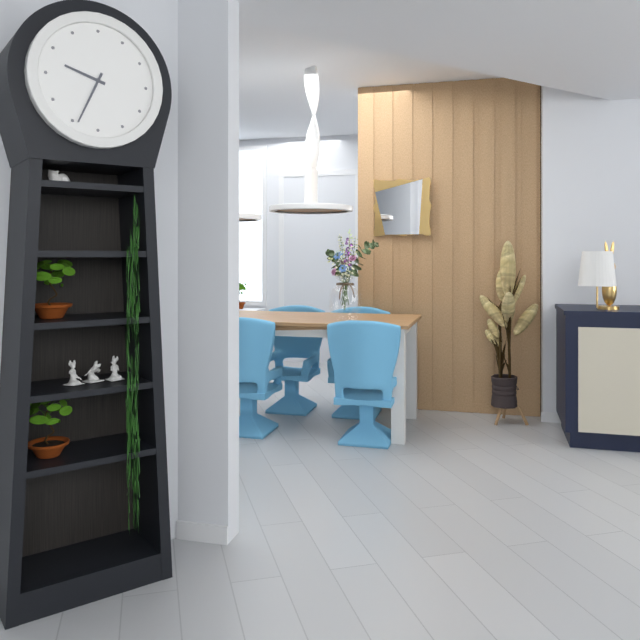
9:34
